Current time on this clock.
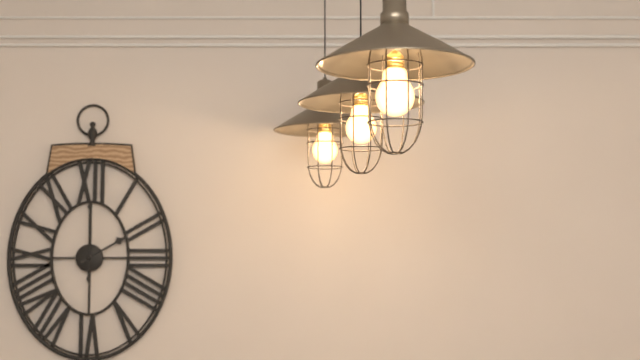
2:00
